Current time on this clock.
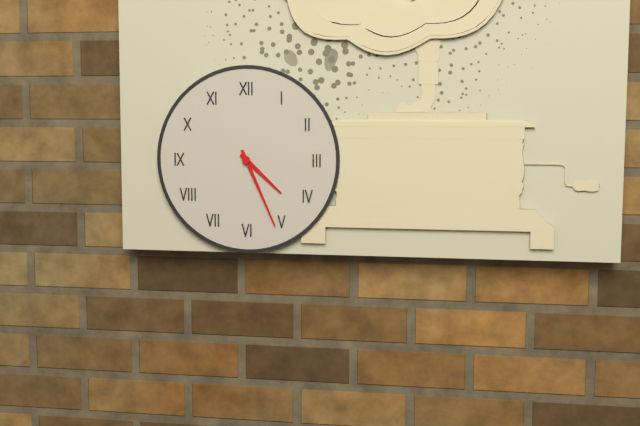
4:26
